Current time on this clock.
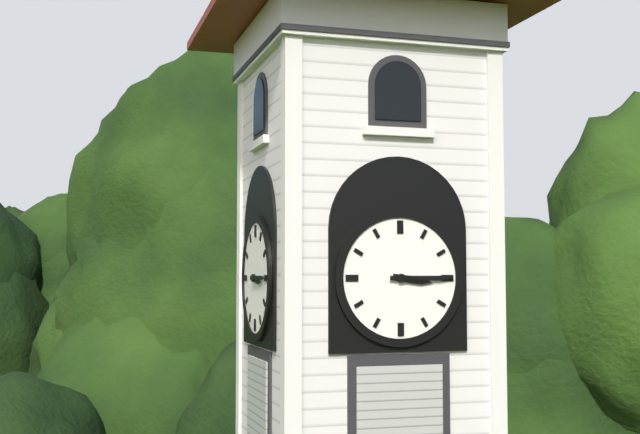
3:15
